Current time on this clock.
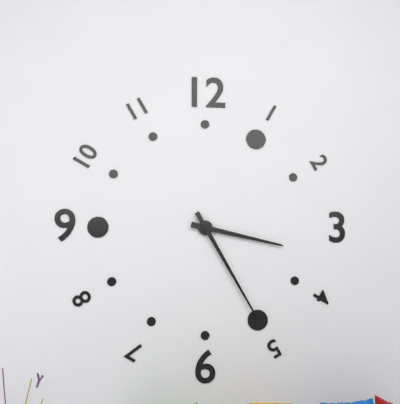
3:25
